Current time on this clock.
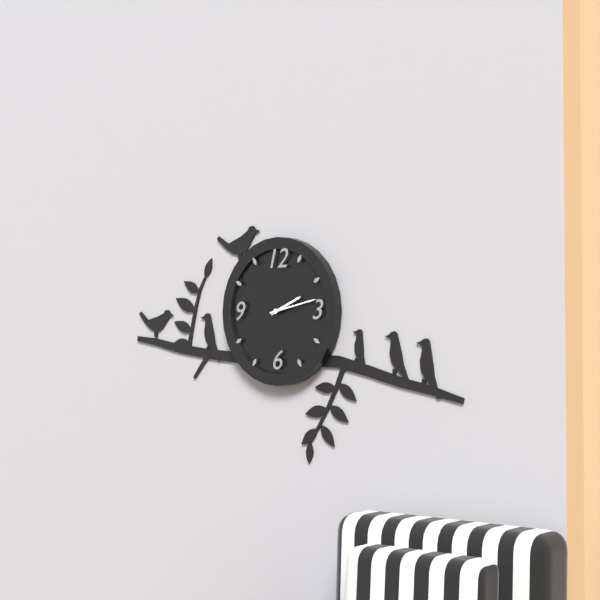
2:13
